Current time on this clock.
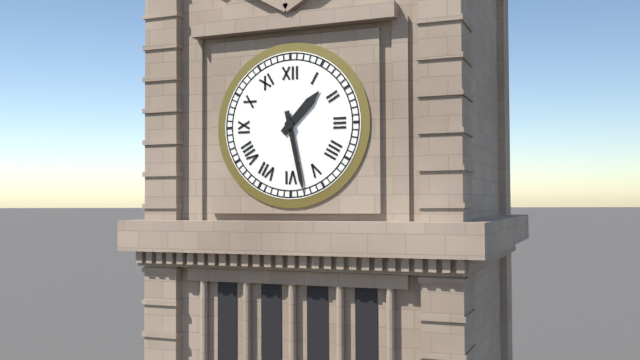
1:28
